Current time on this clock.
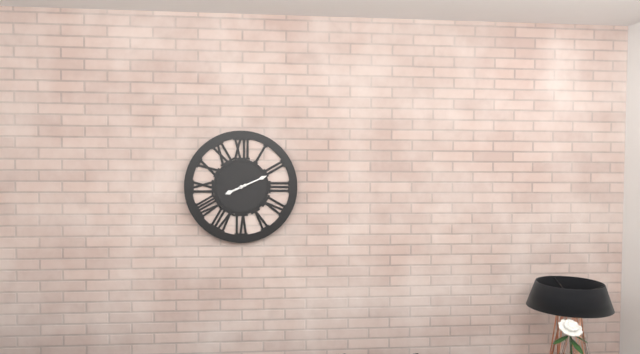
8:11
